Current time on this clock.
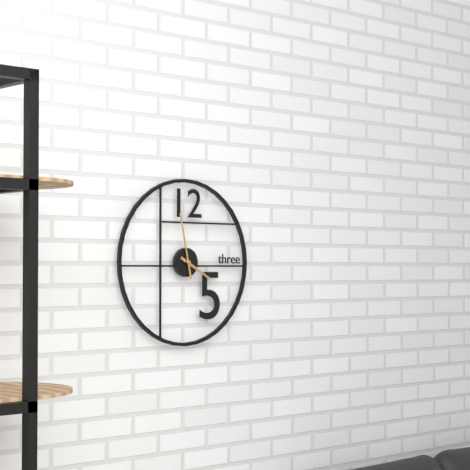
3:58
